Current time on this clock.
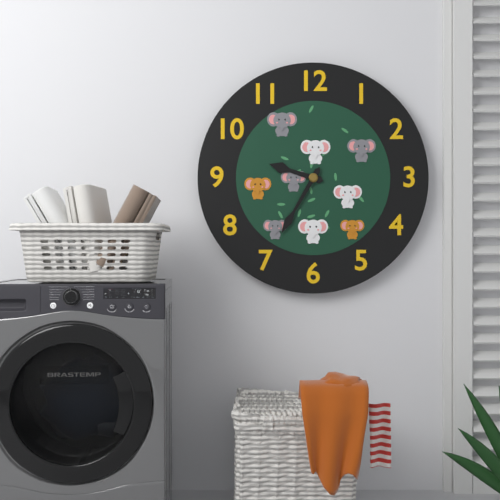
9:35
